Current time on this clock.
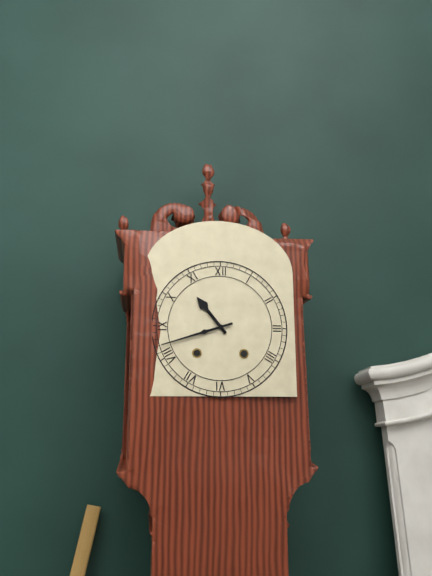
10:42
